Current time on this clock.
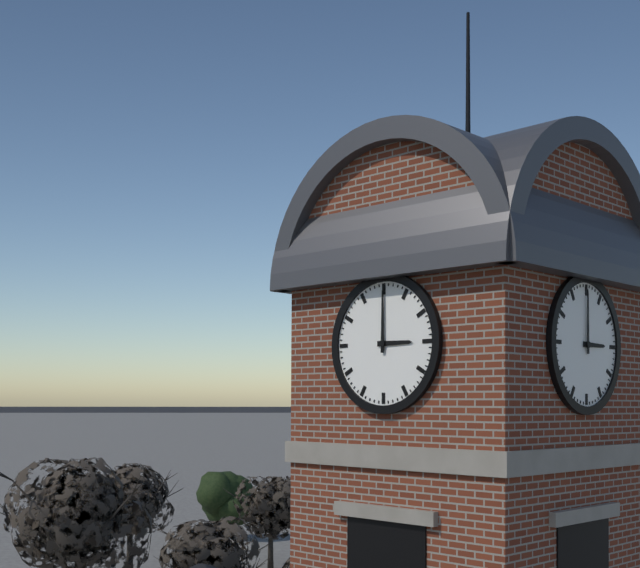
3:00
